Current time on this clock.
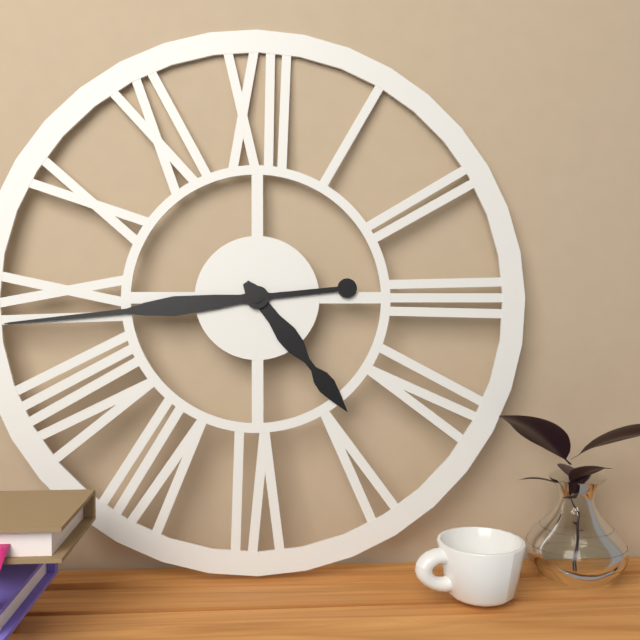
4:44
